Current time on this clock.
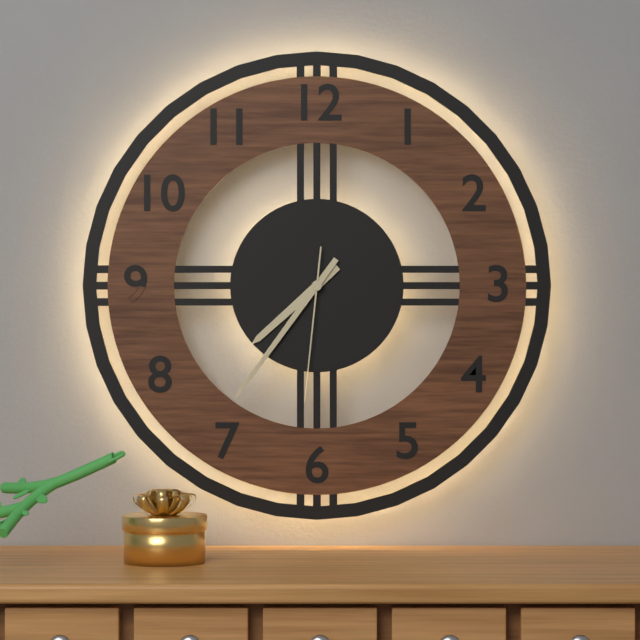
7:36:31
